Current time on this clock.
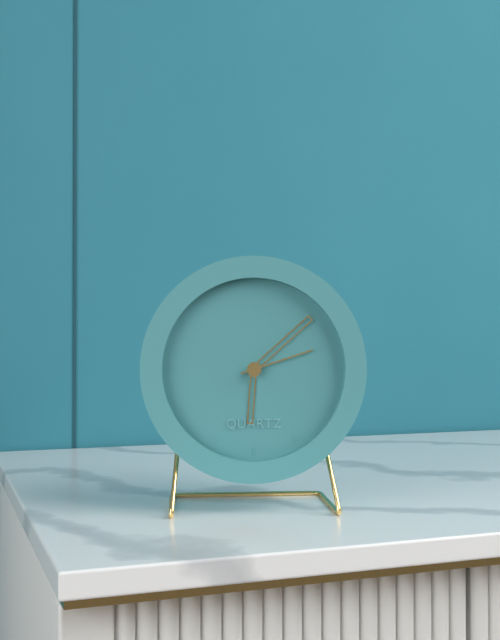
6:08:12
